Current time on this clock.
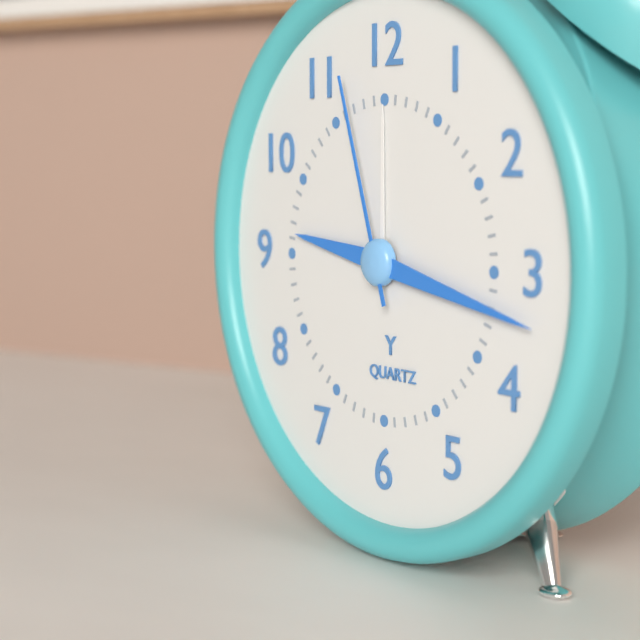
9:17:57
